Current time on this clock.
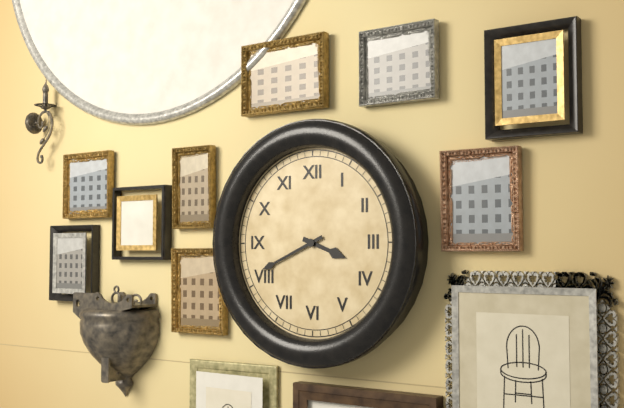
3:41
